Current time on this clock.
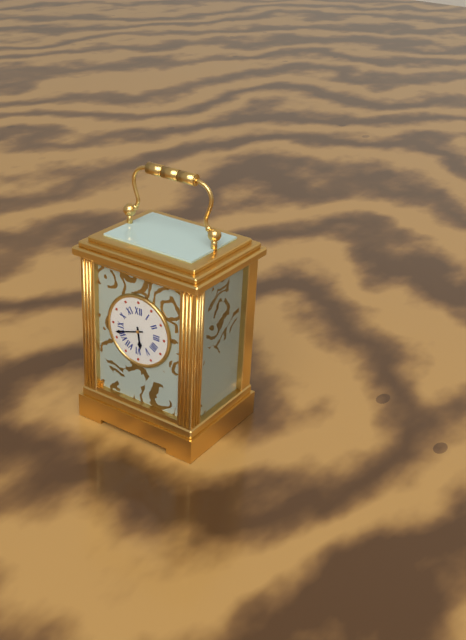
5:42
